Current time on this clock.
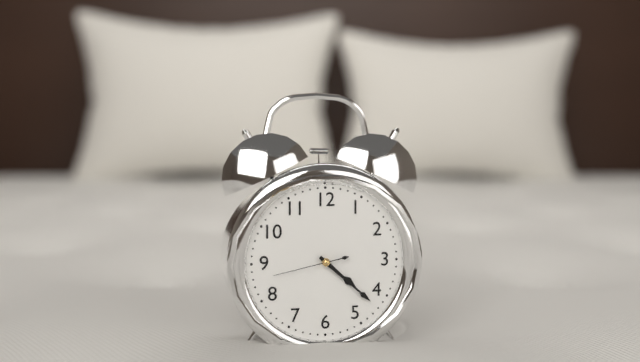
4:22:43
